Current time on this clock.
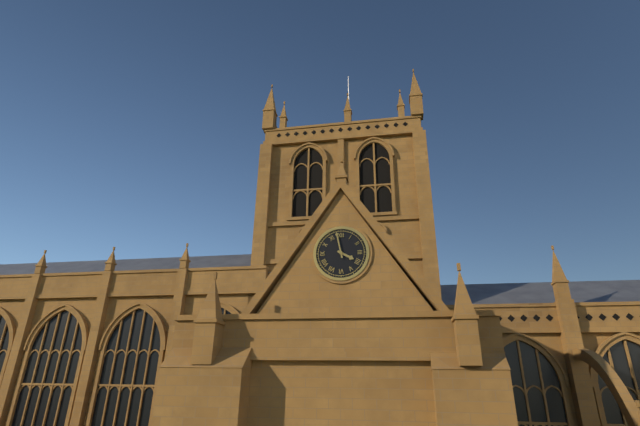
3:58
